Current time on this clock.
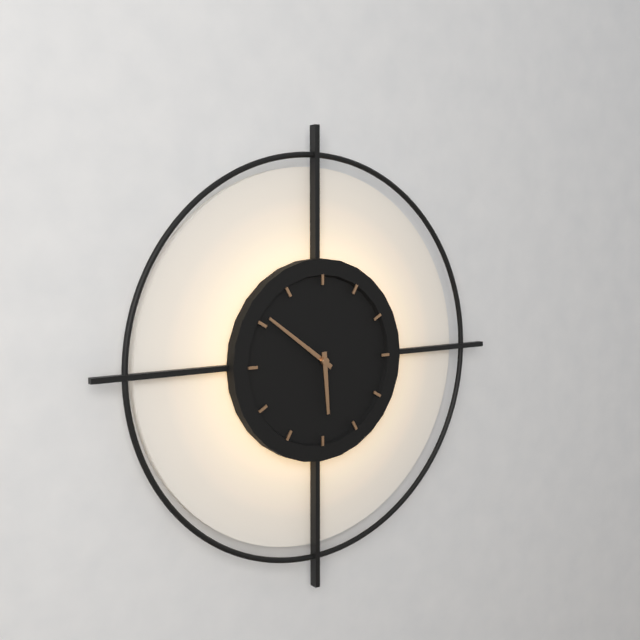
5:51
